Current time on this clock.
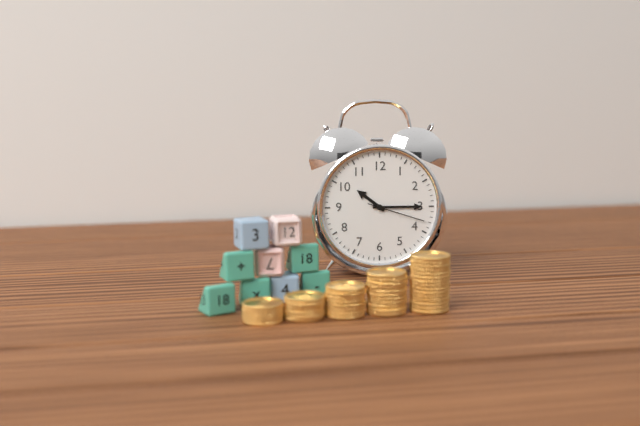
10:15:18
